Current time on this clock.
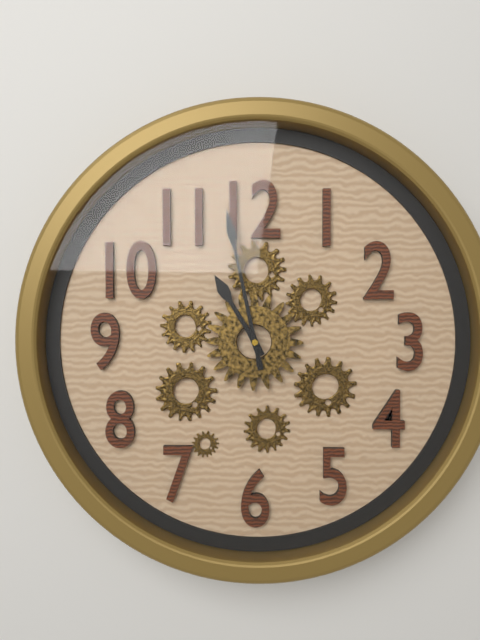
10:58
